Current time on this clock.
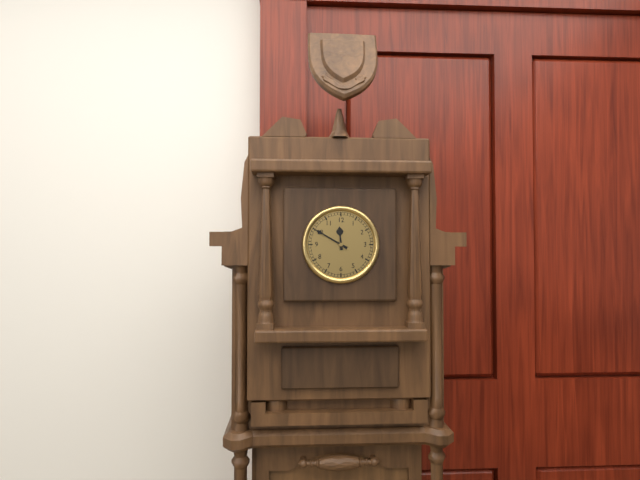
11:50
